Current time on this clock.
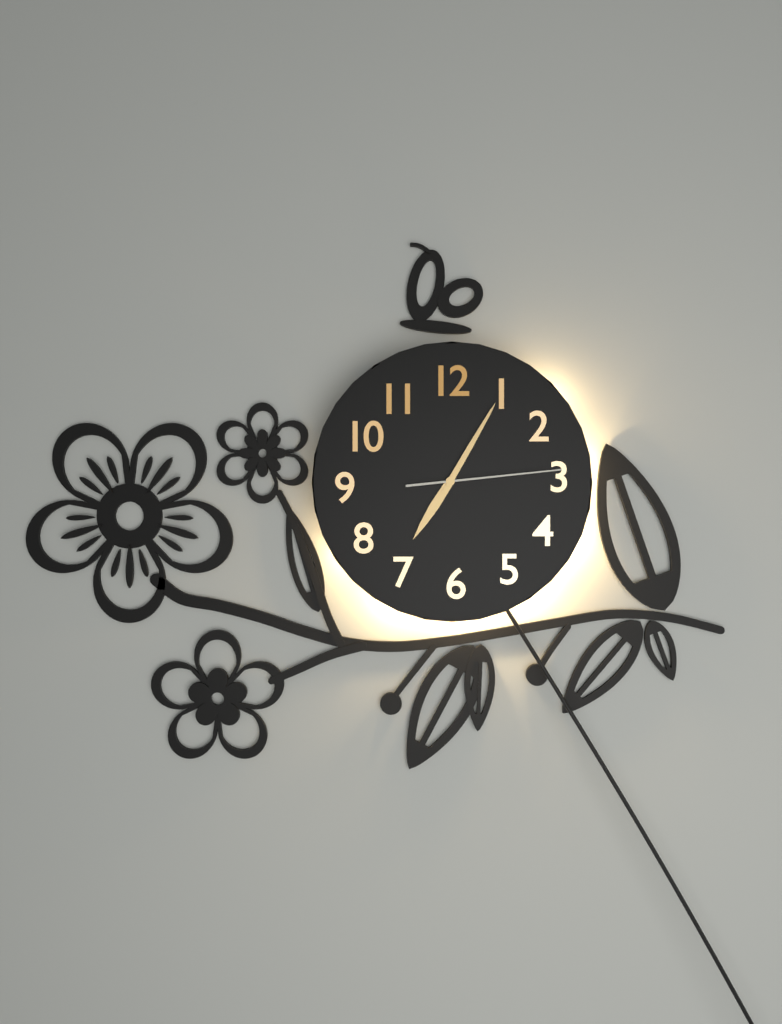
7:05:14
